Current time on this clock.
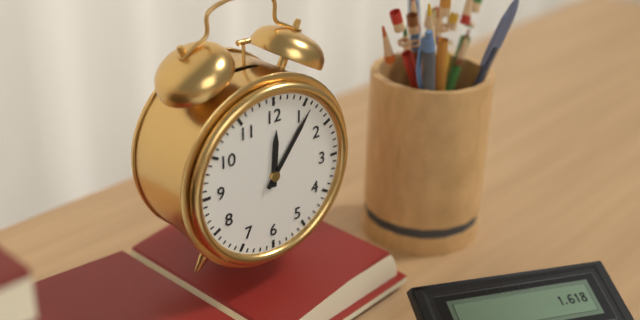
12:06
